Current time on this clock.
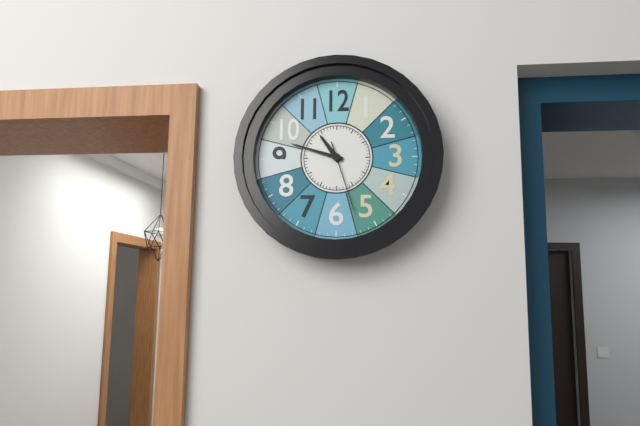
10:48:27
